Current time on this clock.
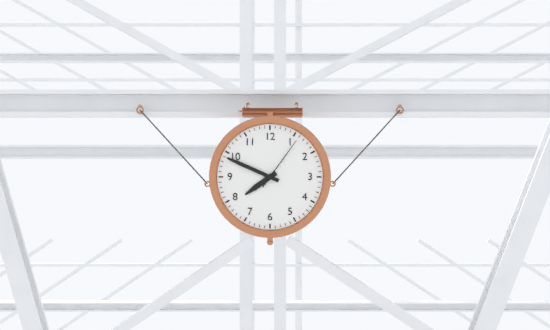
7:49:06
